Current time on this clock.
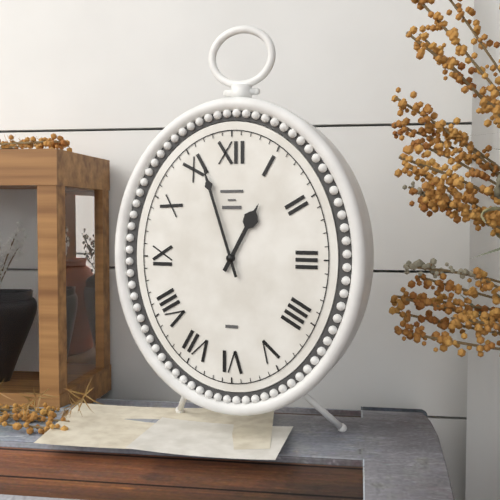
12:57
